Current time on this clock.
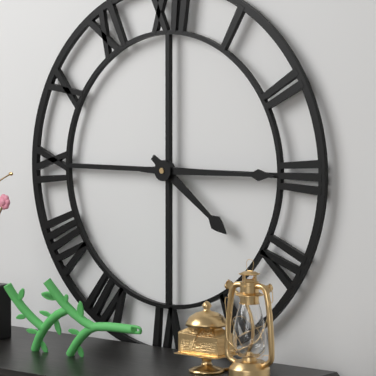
4:15
